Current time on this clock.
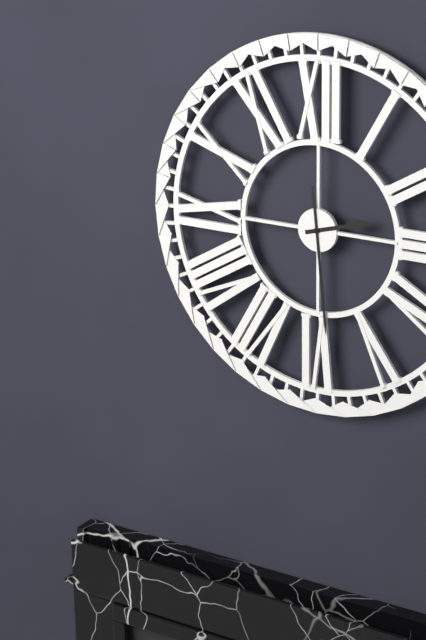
2:29
